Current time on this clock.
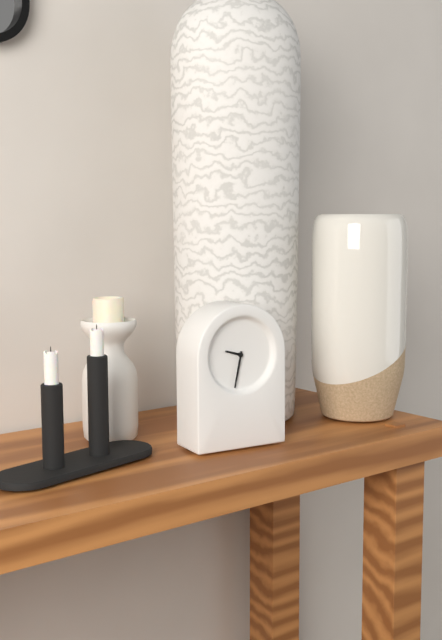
9:32
